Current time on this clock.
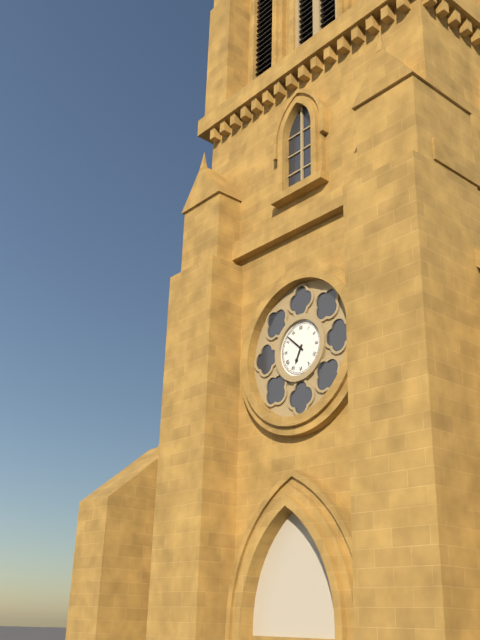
6:52
